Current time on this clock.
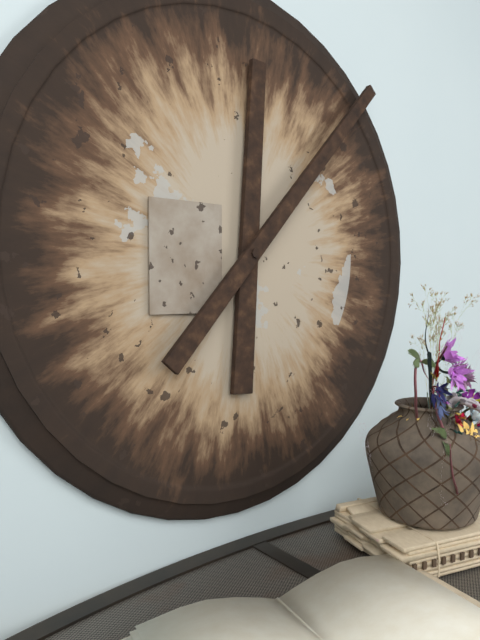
12:07
